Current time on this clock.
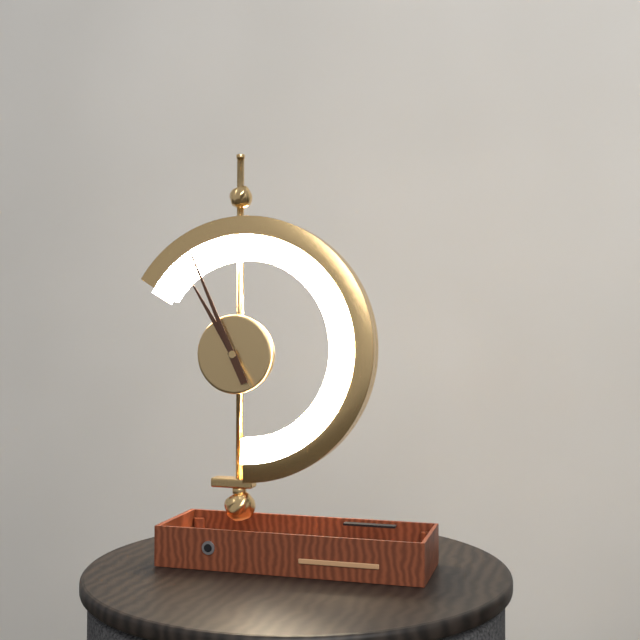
10:56
